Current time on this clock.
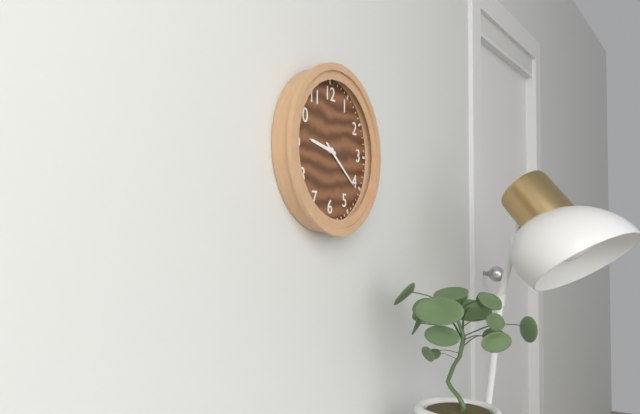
9:21
